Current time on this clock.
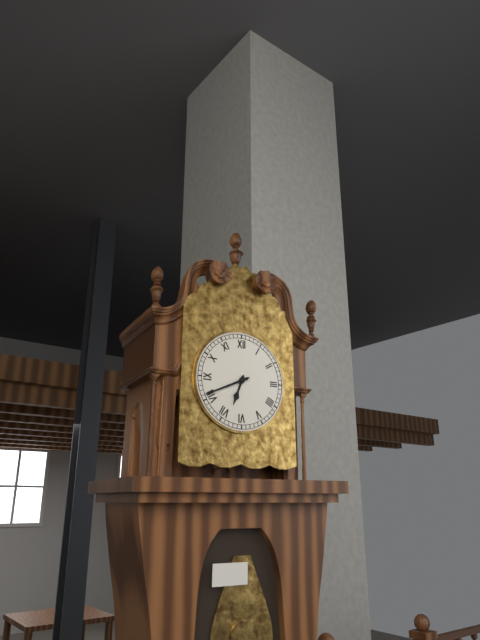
6:41
